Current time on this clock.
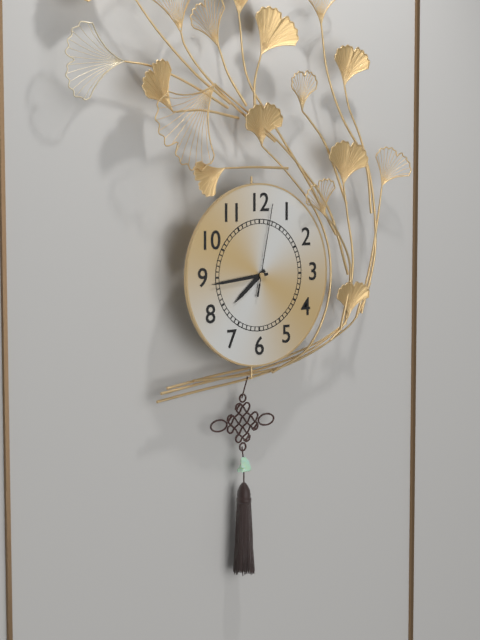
7:44:02
